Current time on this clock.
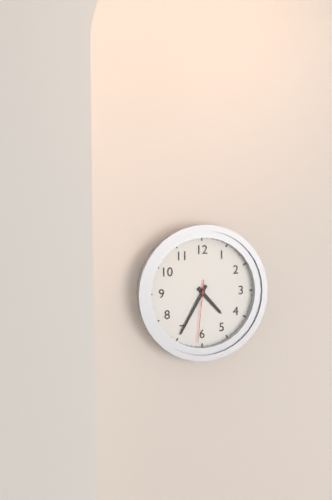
4:35:31
